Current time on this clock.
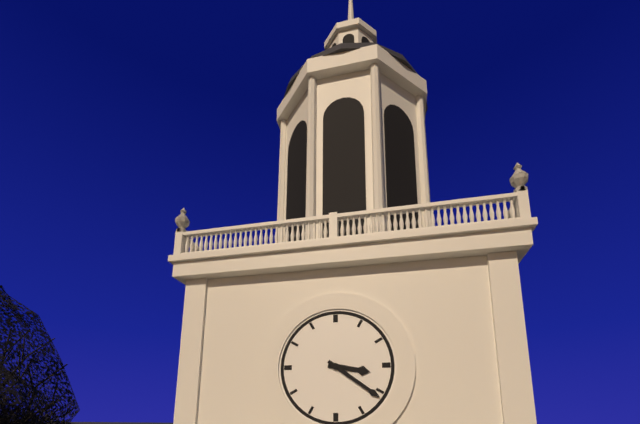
3:21
